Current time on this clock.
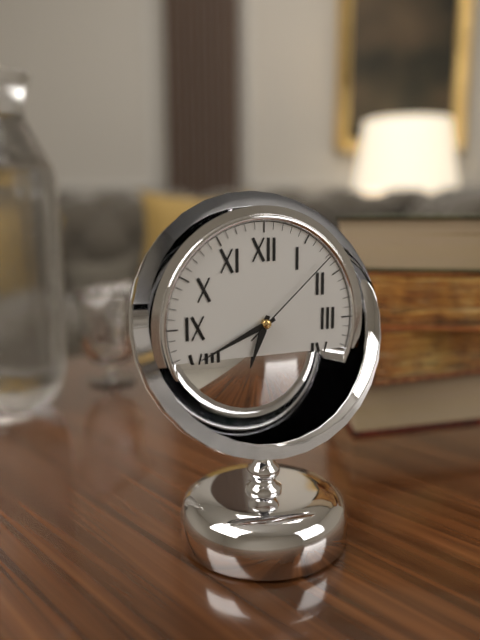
6:41:08
